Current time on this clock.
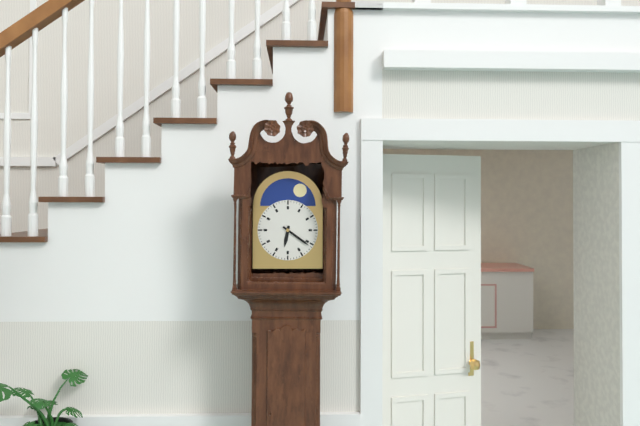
6:21
